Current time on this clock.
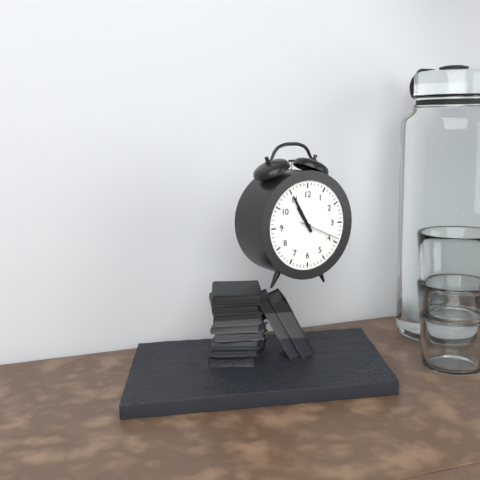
10:55
